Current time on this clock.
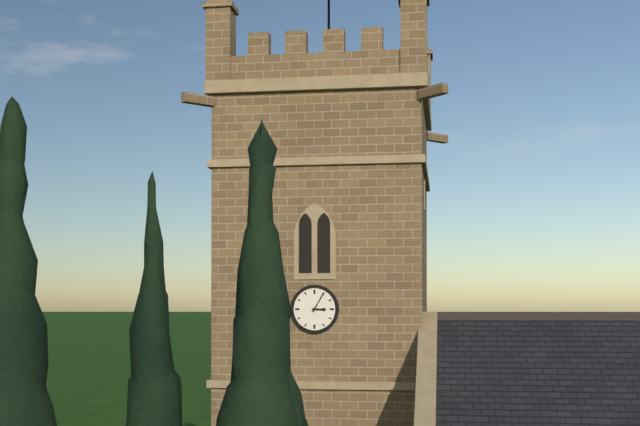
3:05
